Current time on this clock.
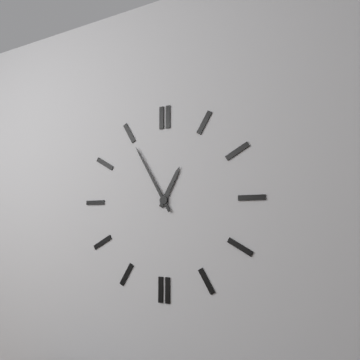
12:55
